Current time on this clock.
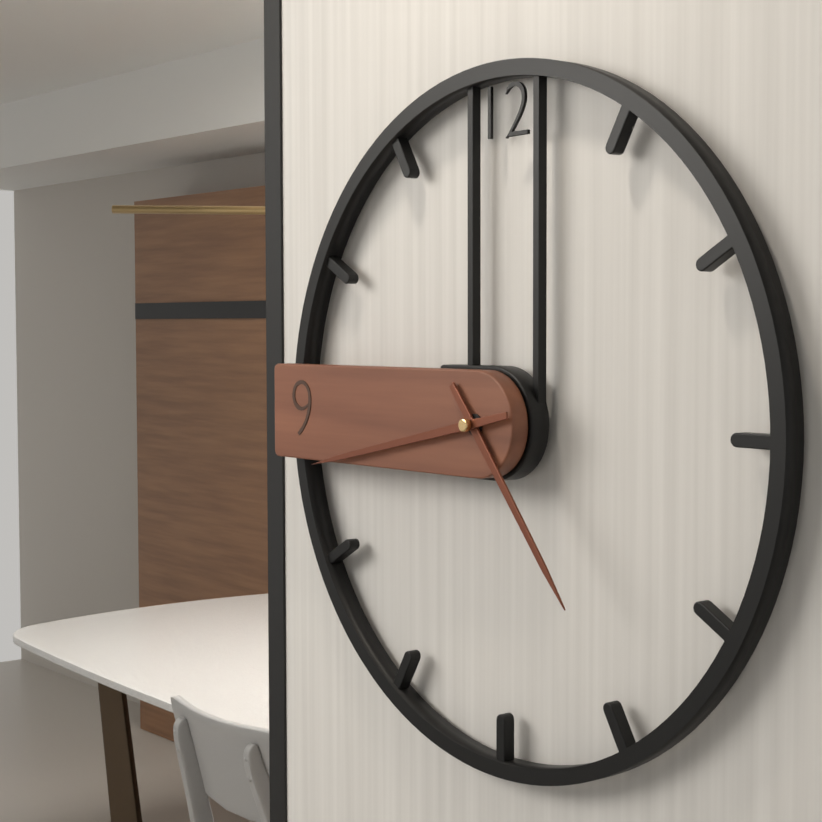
4:43
